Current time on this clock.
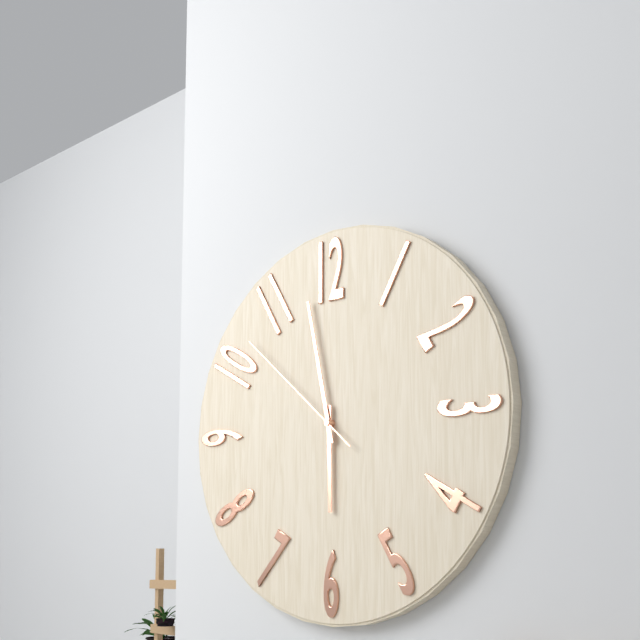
5:58:52
